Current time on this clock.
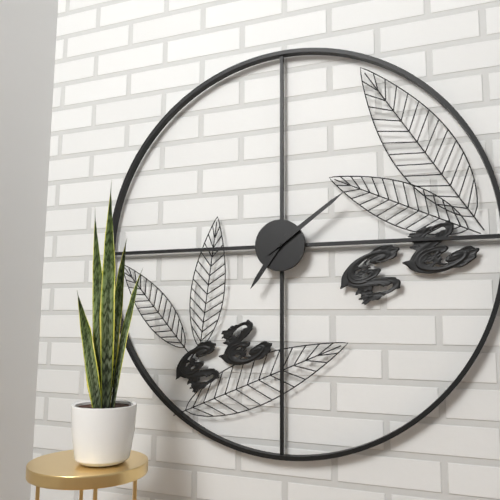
7:09
